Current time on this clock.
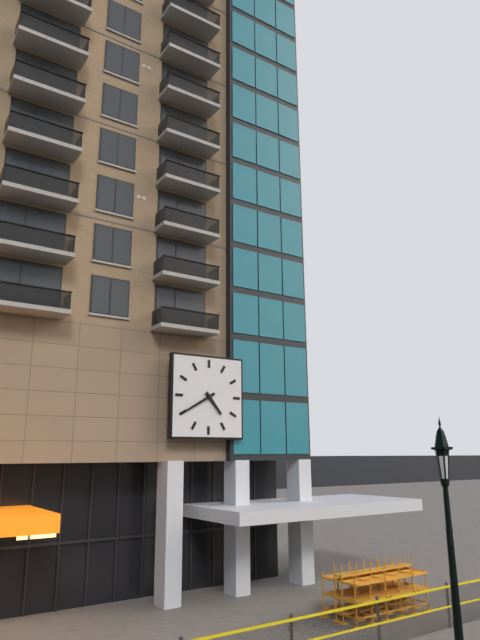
4:40
